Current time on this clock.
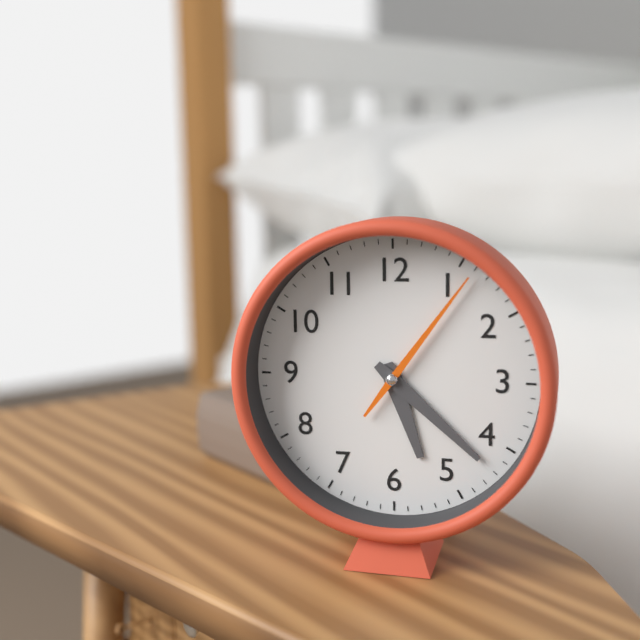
5:22:06
